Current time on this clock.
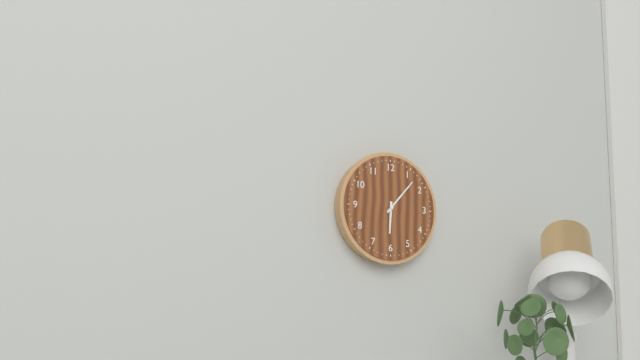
6:07
